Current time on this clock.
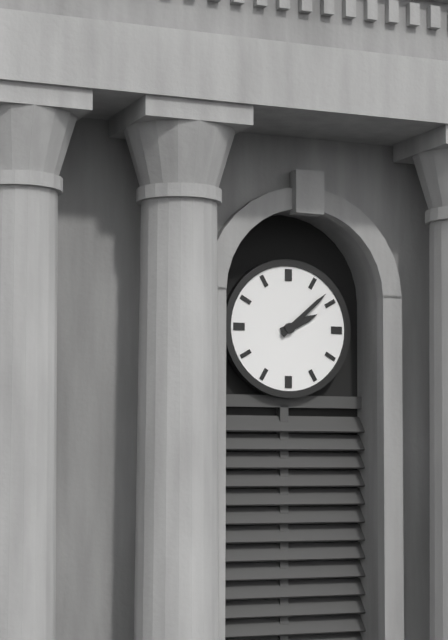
2:08
